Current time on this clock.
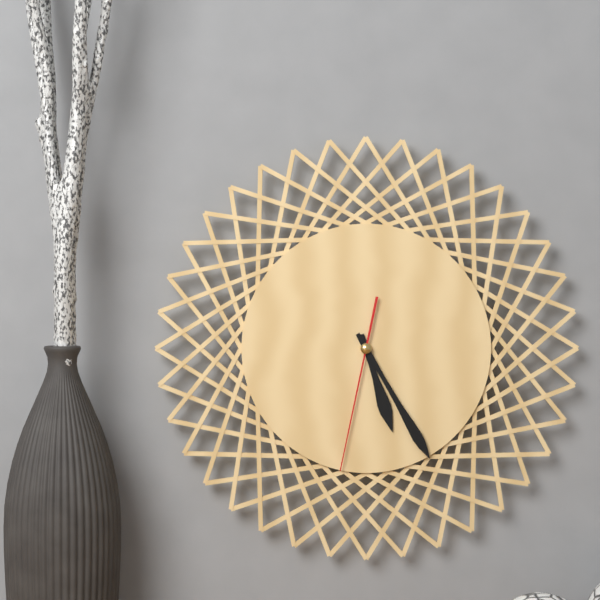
5:25:32
